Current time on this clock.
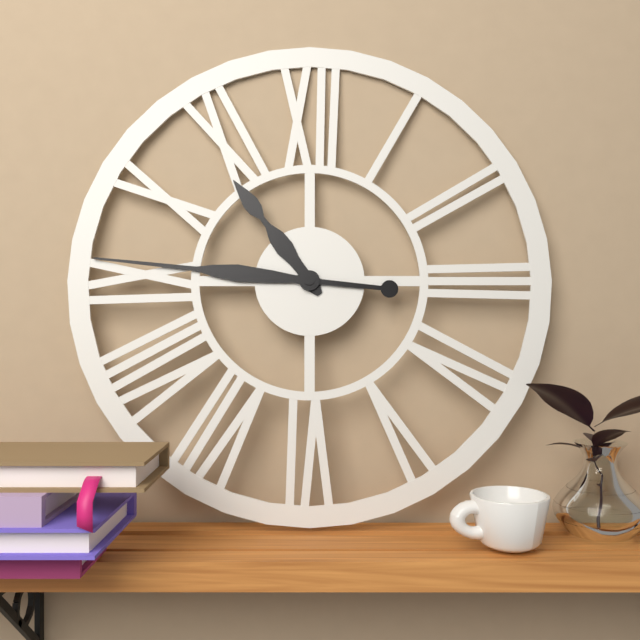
10:46
